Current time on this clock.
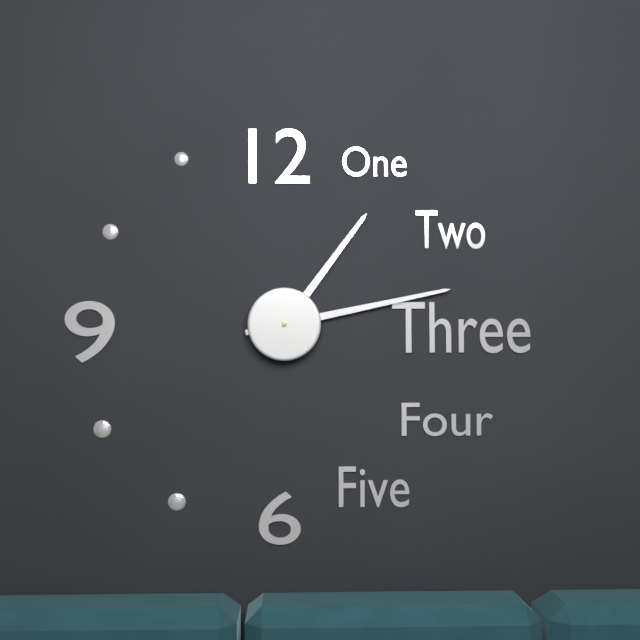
1:13
